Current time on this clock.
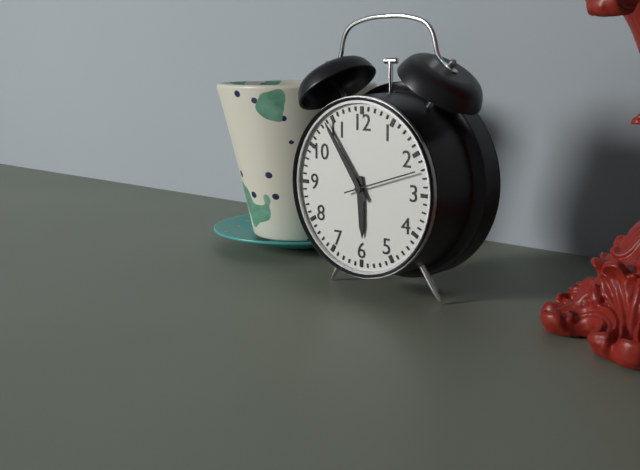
5:54:12
